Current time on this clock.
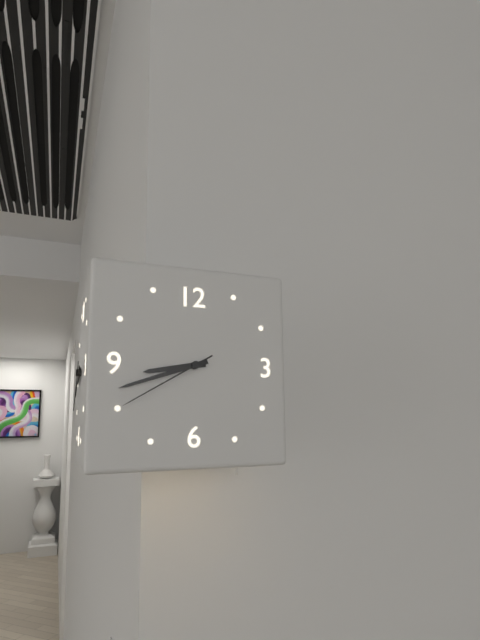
8:42:40
